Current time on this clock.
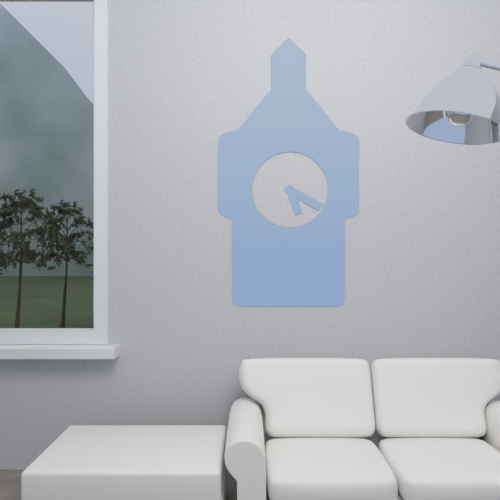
5:20
